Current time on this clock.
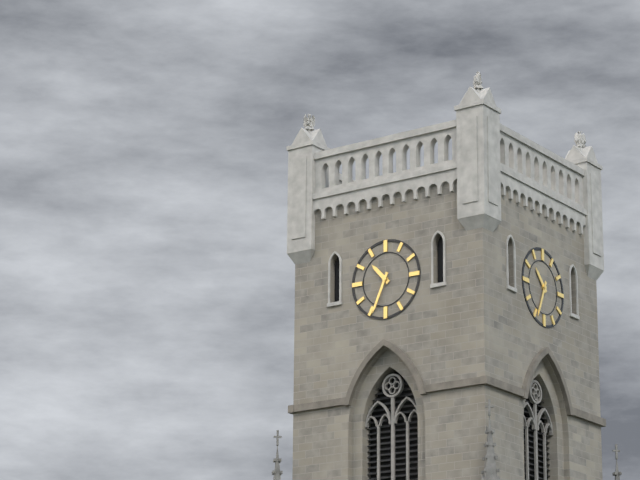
10:34
